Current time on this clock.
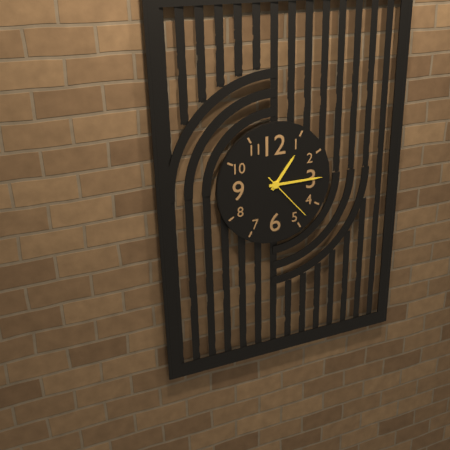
1:15:23
